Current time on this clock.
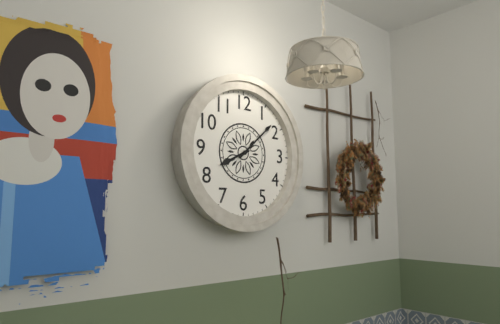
8:08
